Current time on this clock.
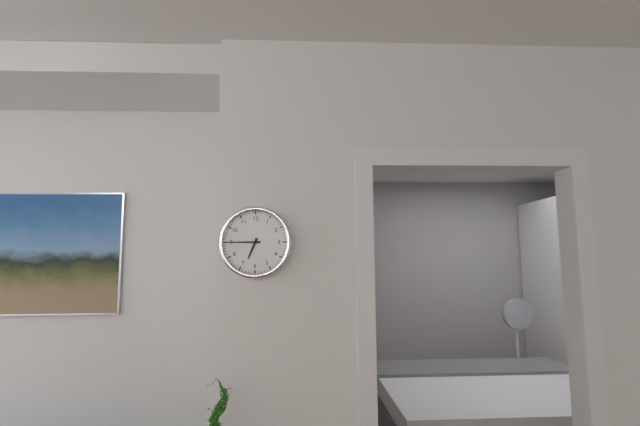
6:45
